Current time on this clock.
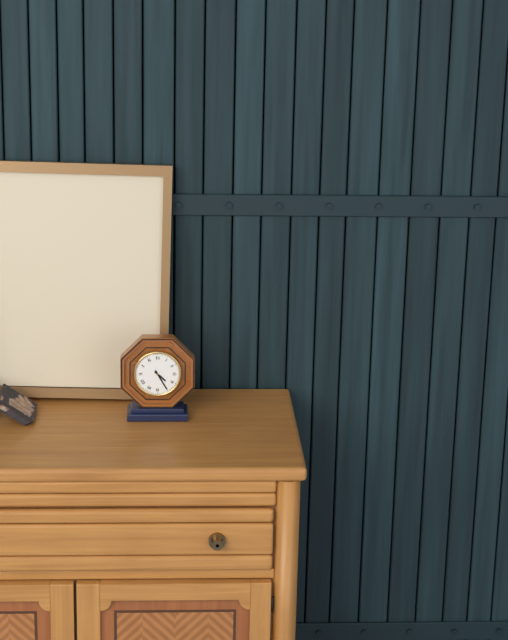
4:25
